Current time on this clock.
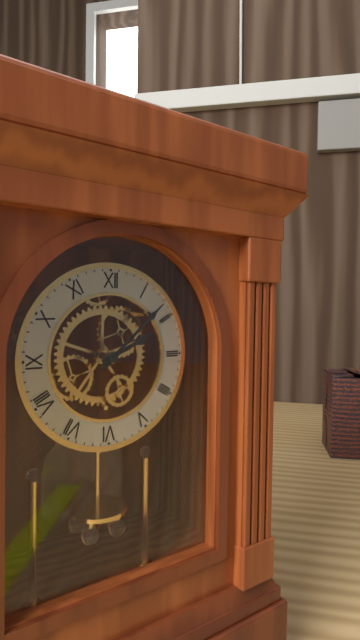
2:08
